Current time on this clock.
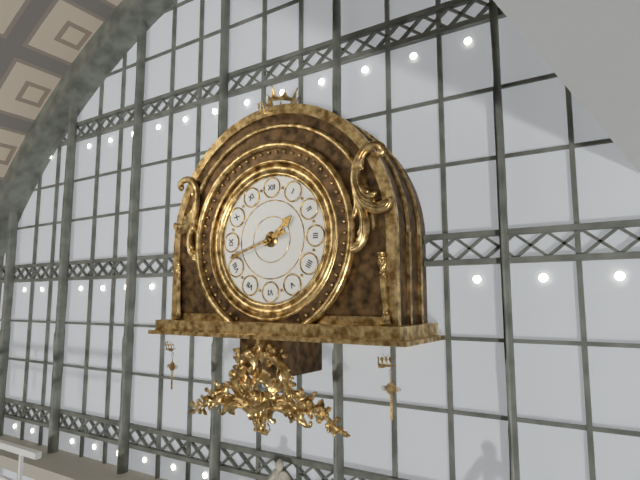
1:42
